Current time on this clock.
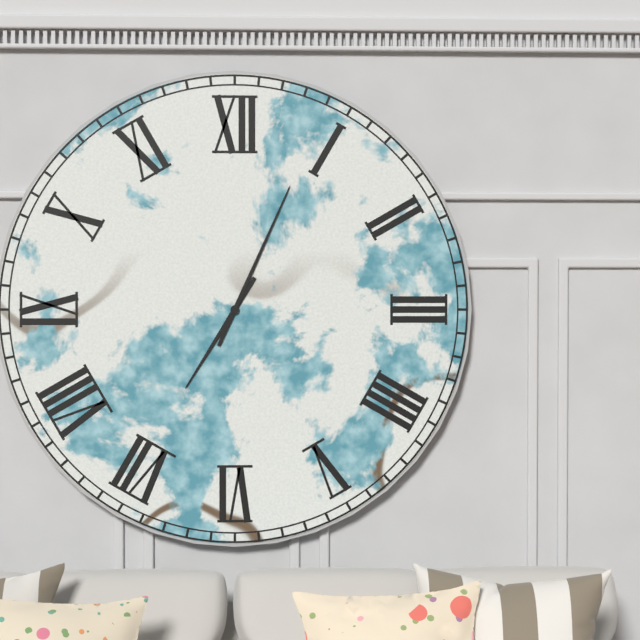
7:04
